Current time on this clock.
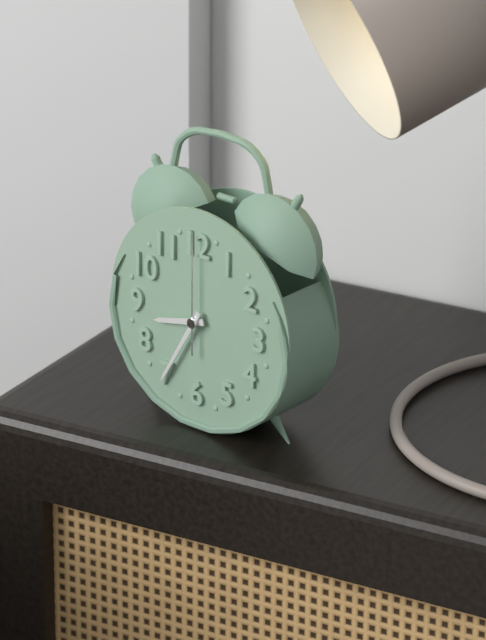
8:35:00
